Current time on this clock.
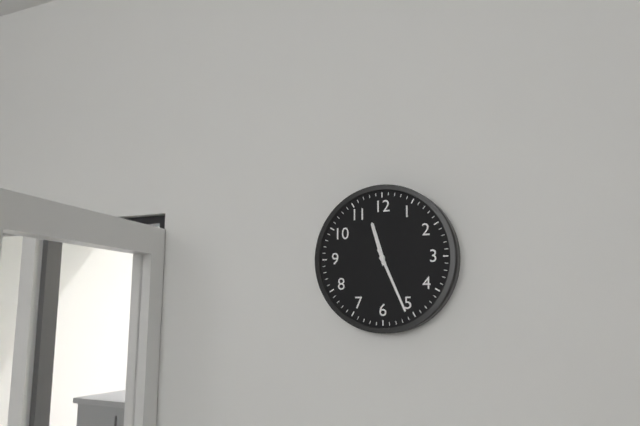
11:26
